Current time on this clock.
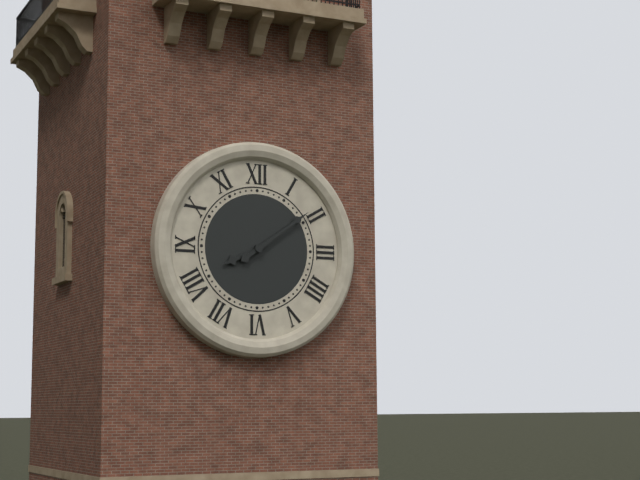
8:09
